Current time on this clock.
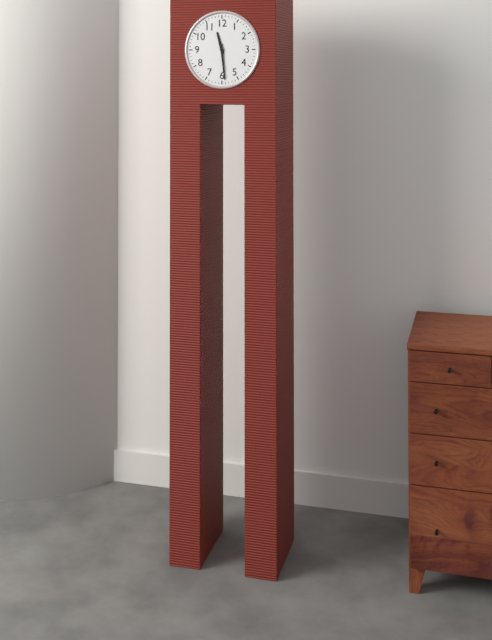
11:29
